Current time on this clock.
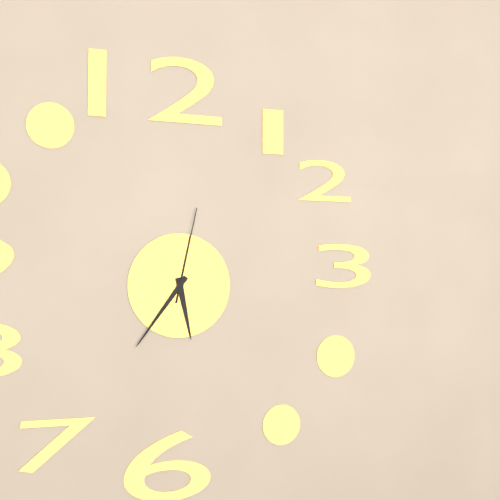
5:36:02
